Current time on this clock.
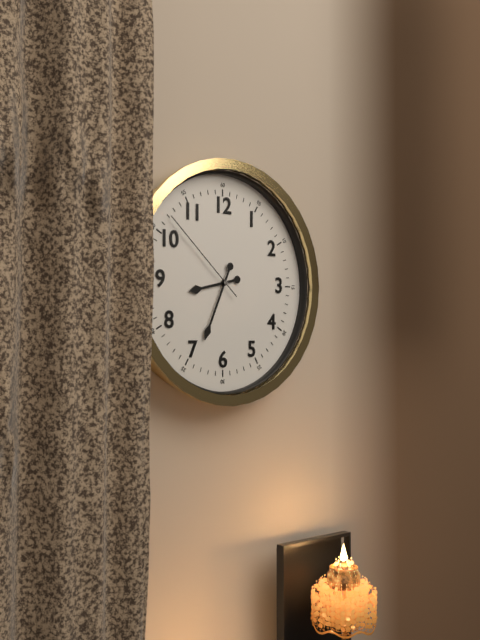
8:34:52
